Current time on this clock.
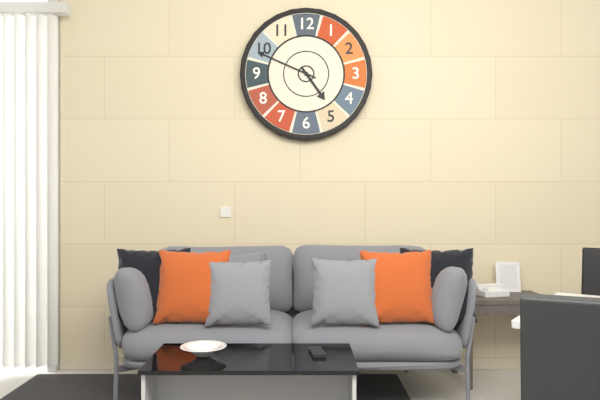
4:49
